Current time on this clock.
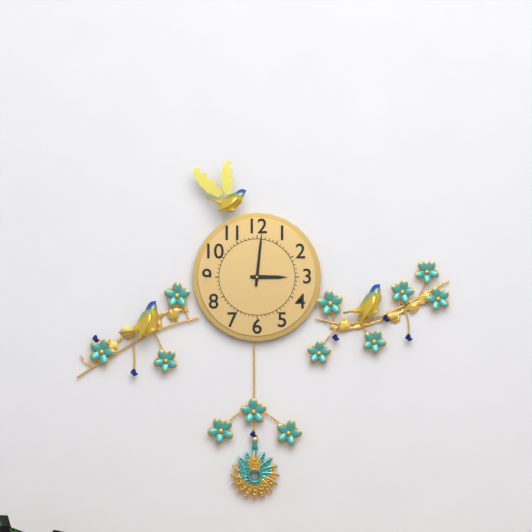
3:01
